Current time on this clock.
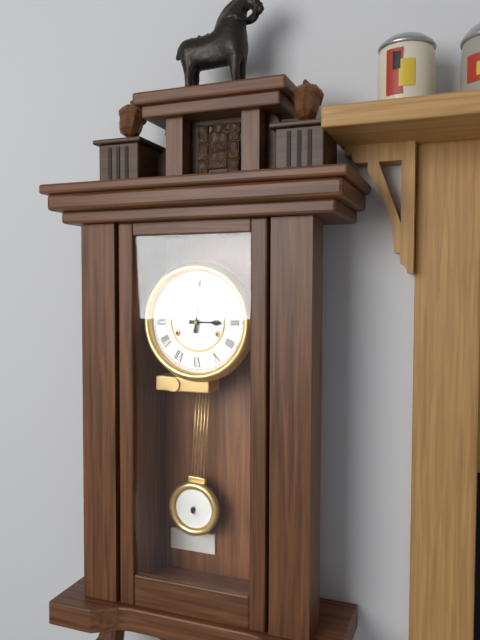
3:01
